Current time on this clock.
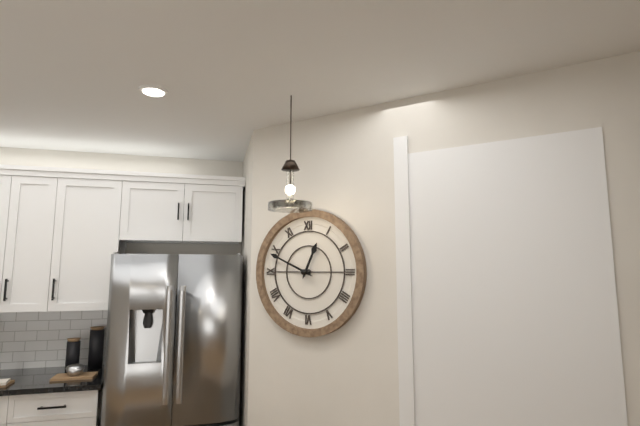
12:49
